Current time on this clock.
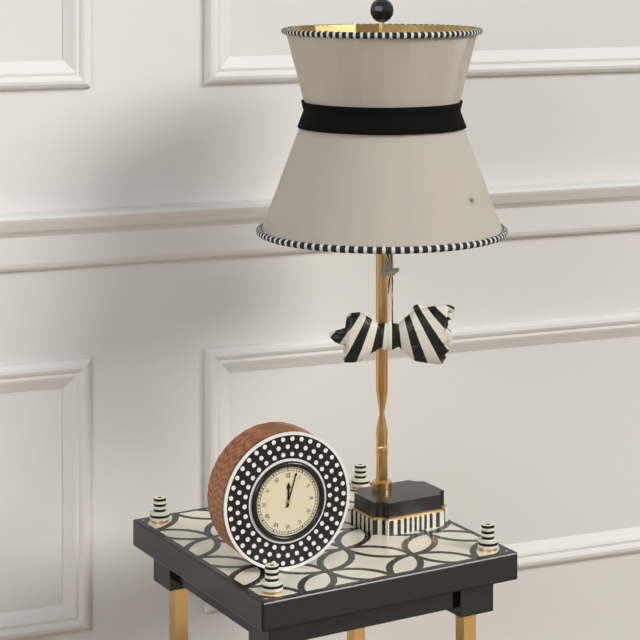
12:03
